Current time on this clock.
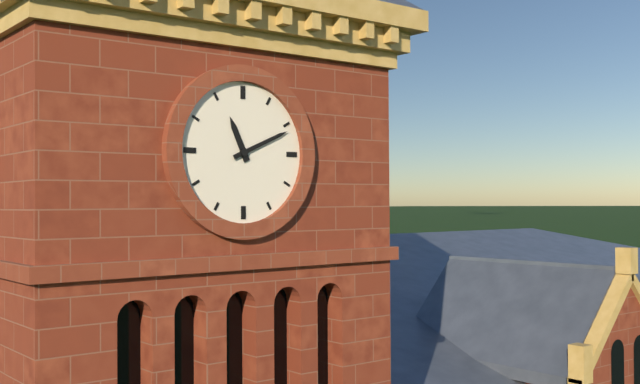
11:11
